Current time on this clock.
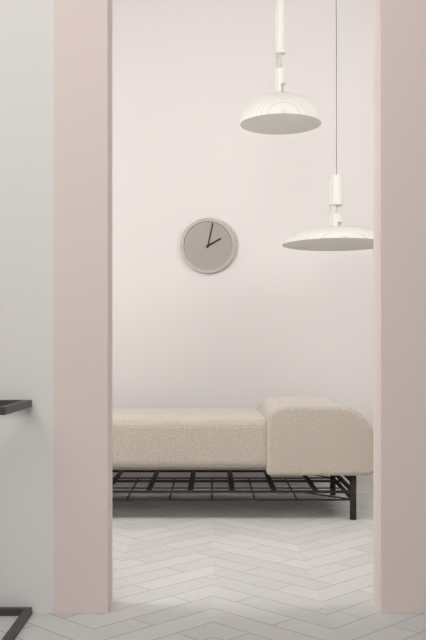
2:02
